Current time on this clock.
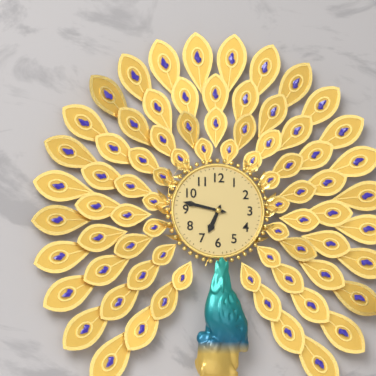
6:47
